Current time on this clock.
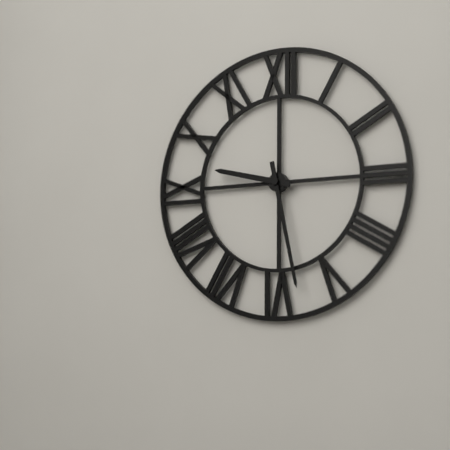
9:28
